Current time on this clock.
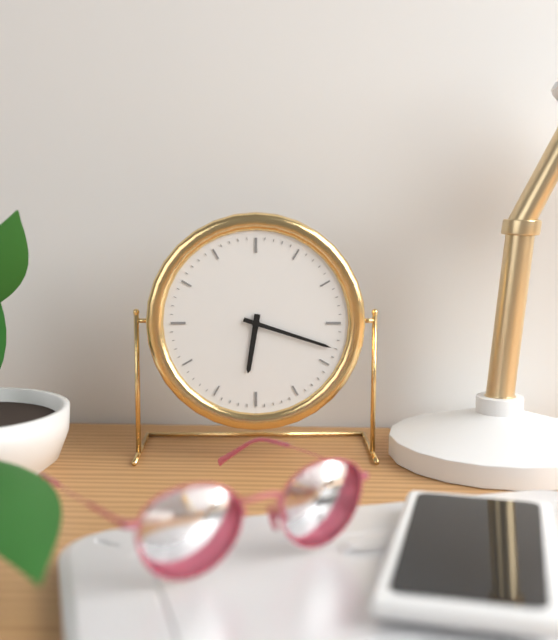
6:18
